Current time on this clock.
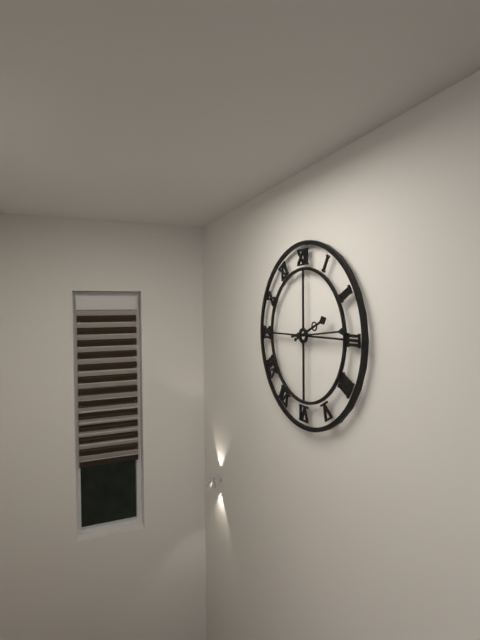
2:14
